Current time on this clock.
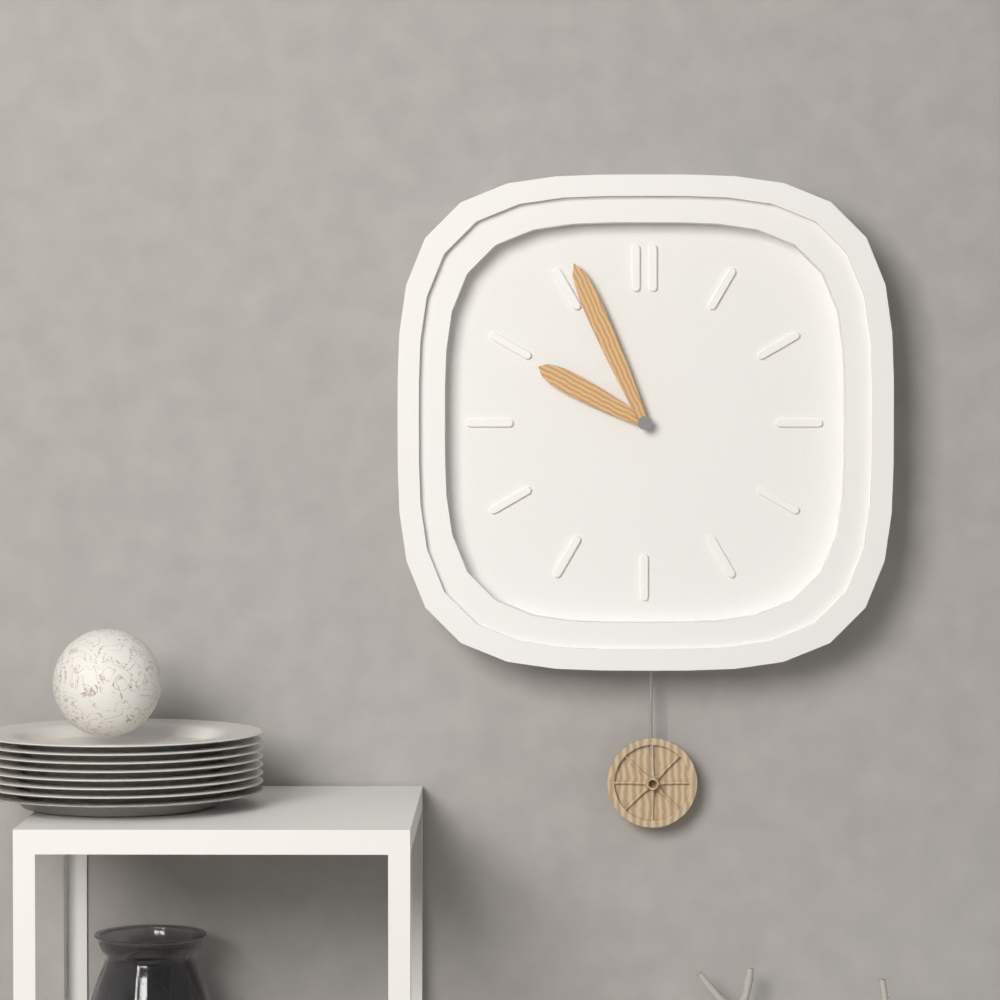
9:56
